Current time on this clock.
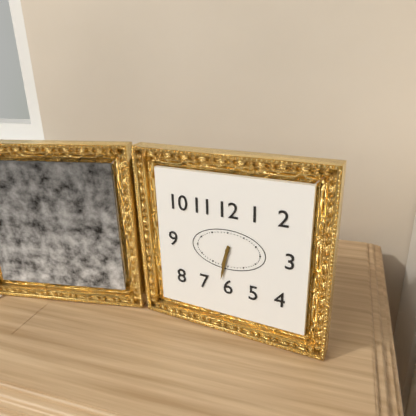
6:32
